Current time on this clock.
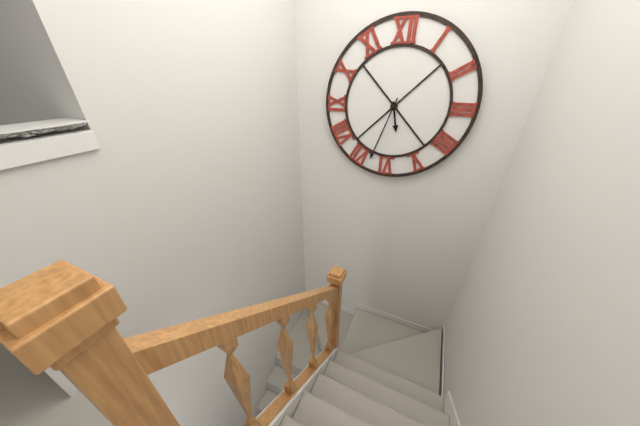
5:33
